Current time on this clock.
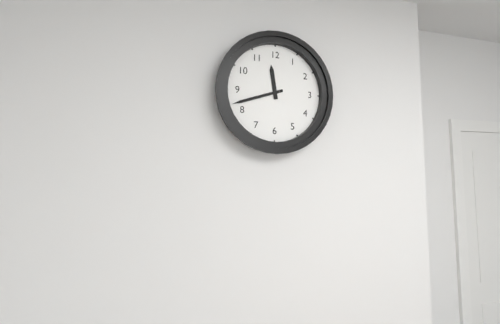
11:42
